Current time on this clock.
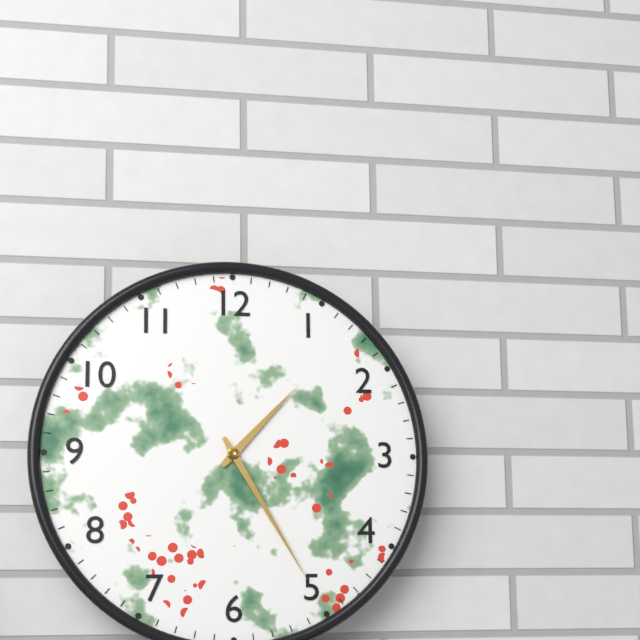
1:25
